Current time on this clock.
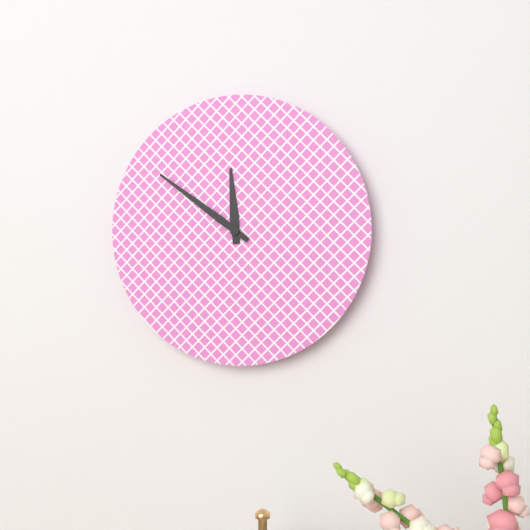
11:51
